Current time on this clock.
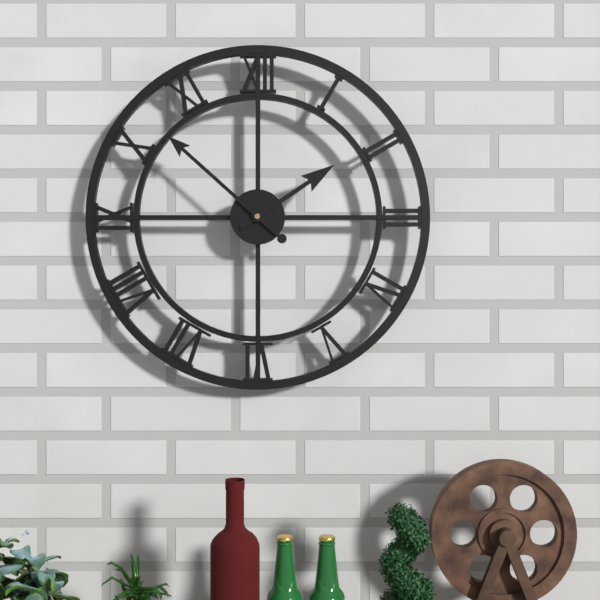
1:52
